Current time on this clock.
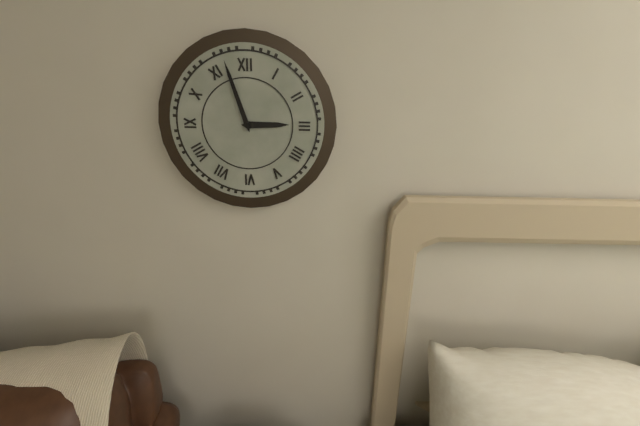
2:57
